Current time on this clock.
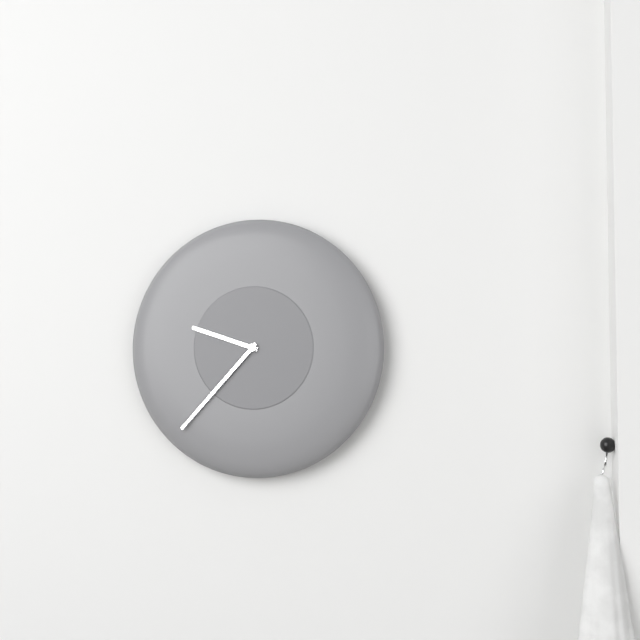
9:37
